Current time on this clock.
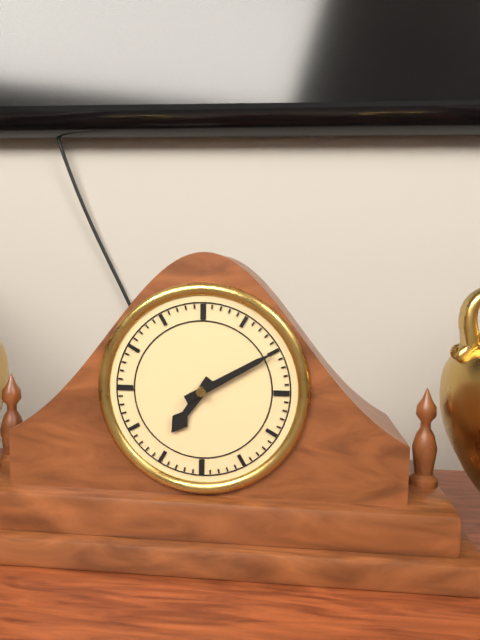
7:10
